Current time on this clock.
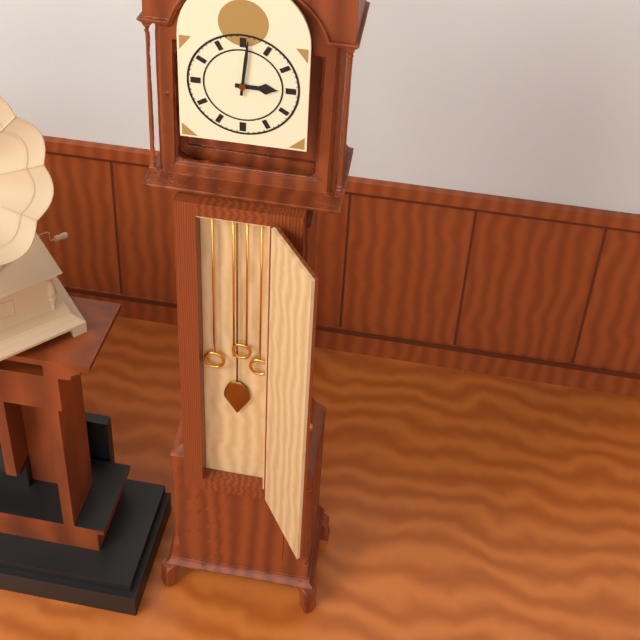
3:01
